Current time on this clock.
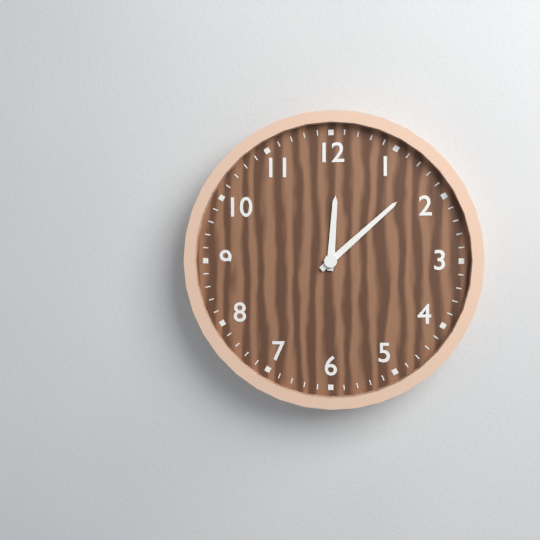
12:08
